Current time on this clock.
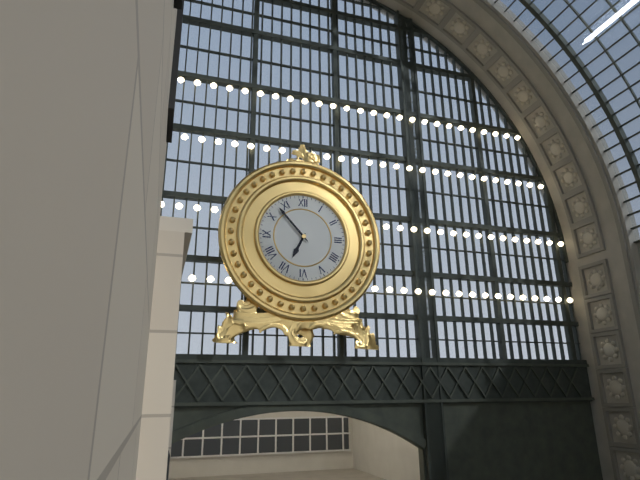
6:53
